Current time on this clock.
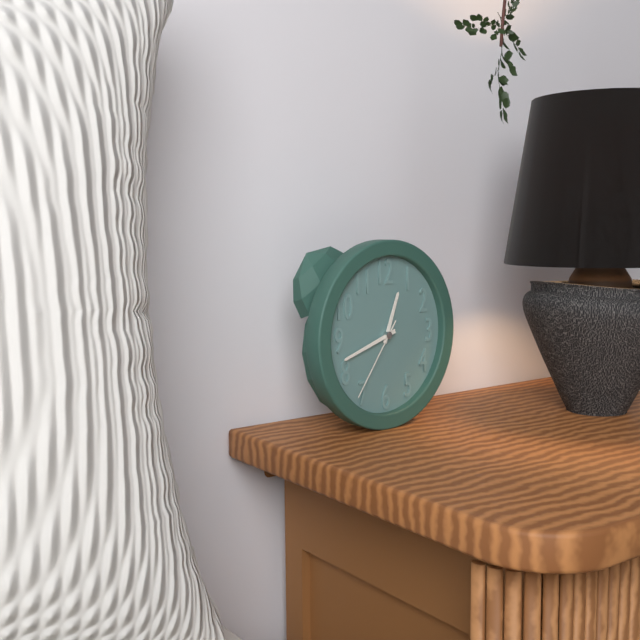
12:42:36
